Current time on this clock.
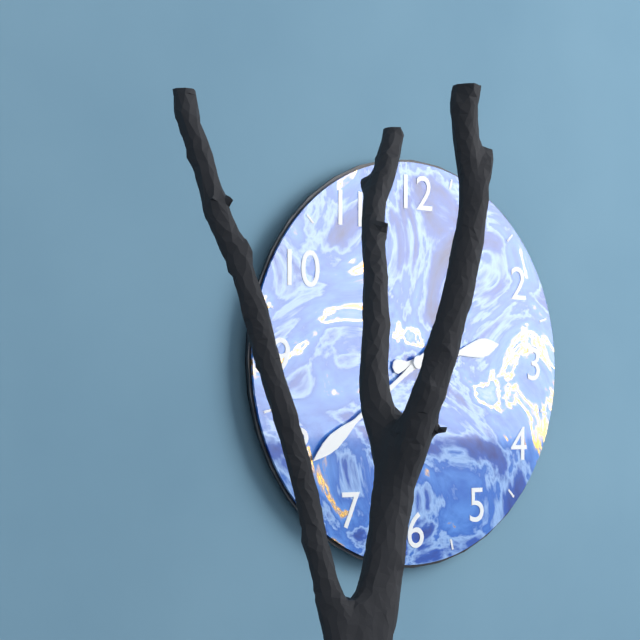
2:39
